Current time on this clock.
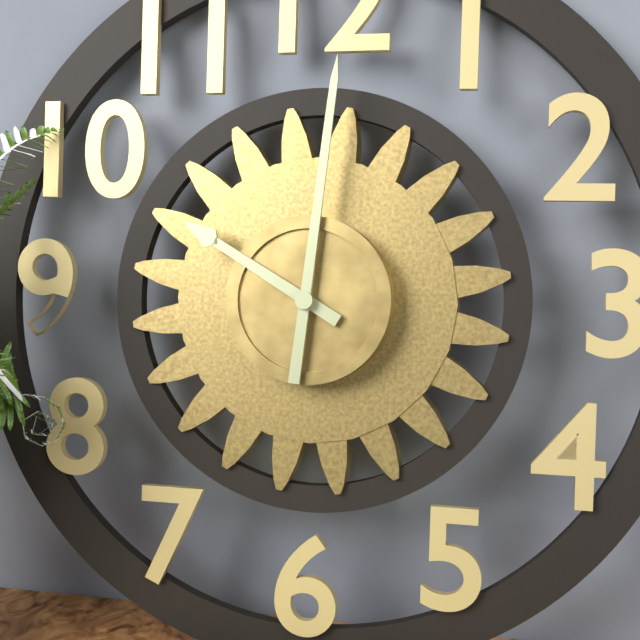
10:01
